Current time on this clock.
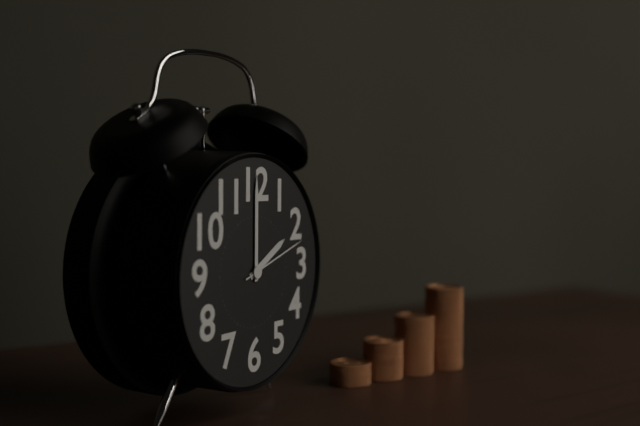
2:00:12
